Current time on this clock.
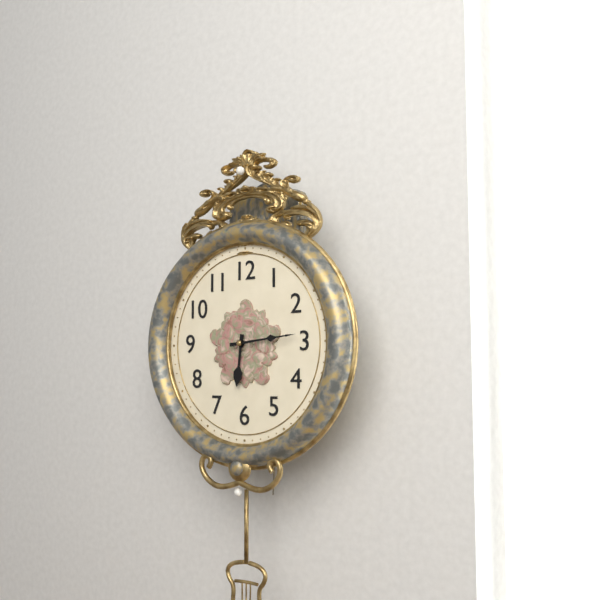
6:14
